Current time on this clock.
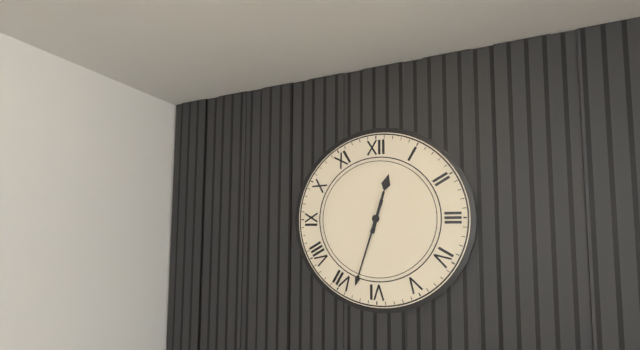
12:33
